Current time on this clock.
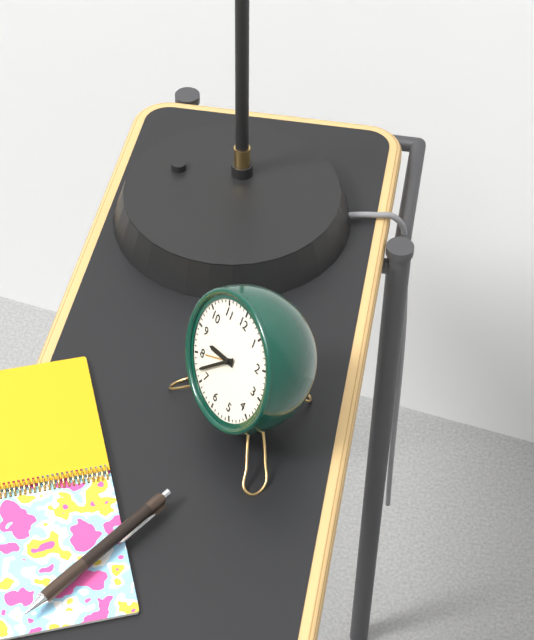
8:37
